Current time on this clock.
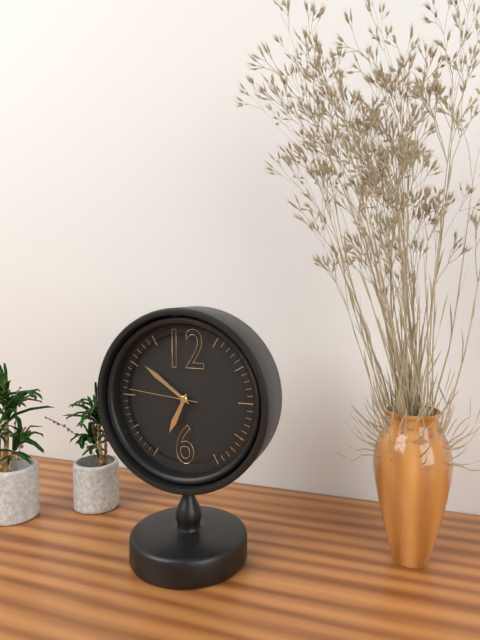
6:51:46
